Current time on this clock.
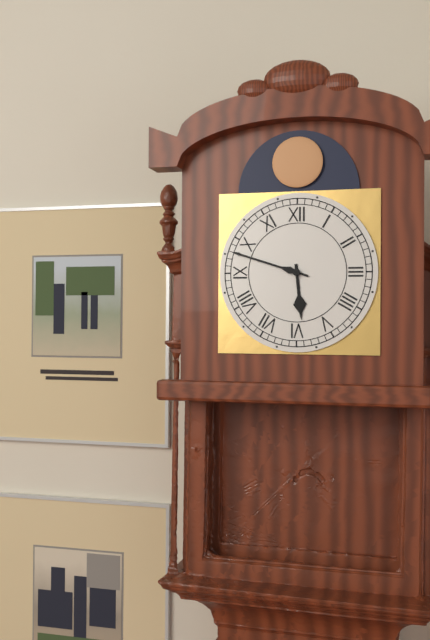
5:48
